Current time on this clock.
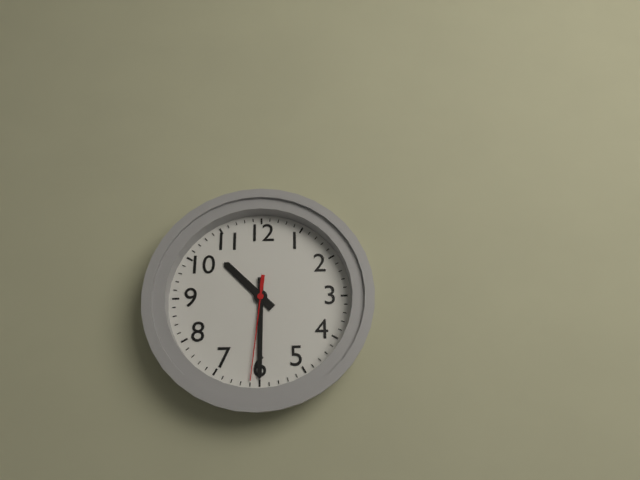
10:30:31
